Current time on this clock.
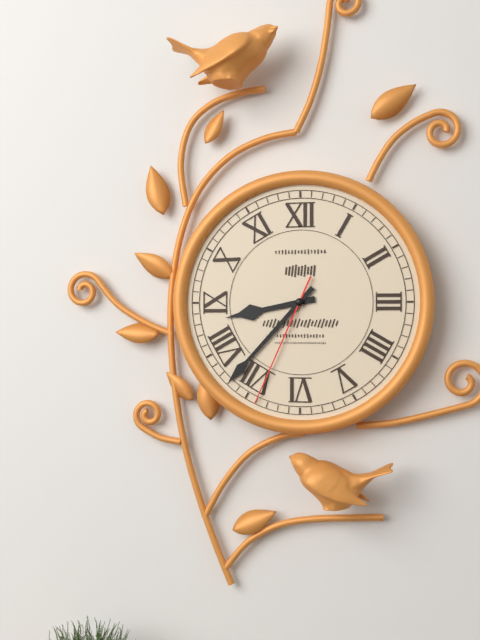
8:37:34
